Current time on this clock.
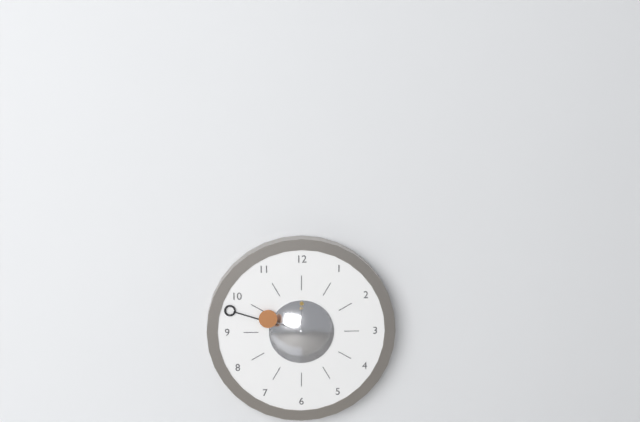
9:48
